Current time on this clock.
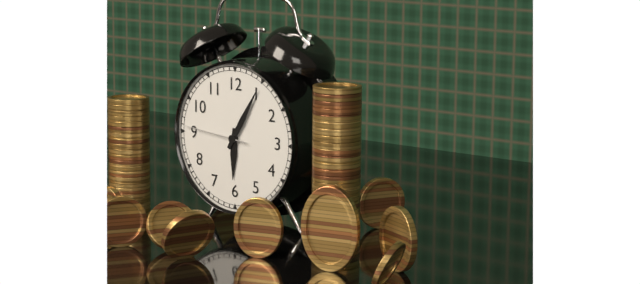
6:05:46
